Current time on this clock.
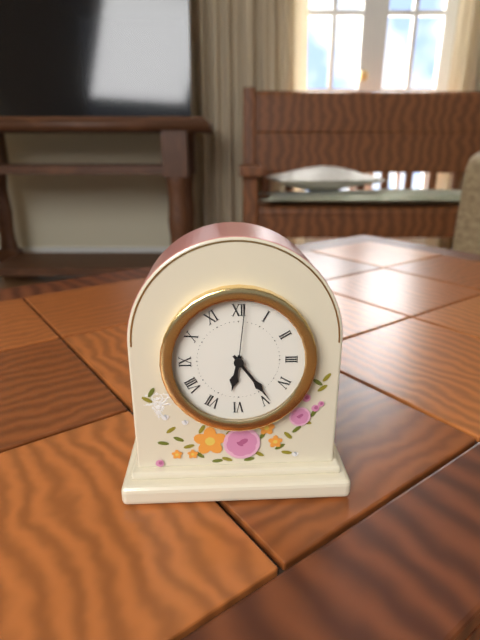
6:24:01
